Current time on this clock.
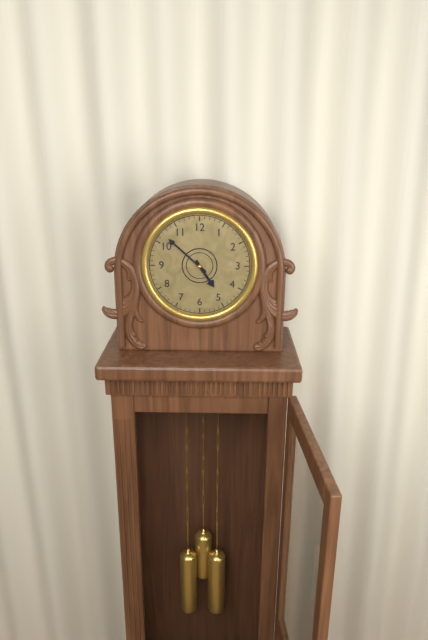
4:52
